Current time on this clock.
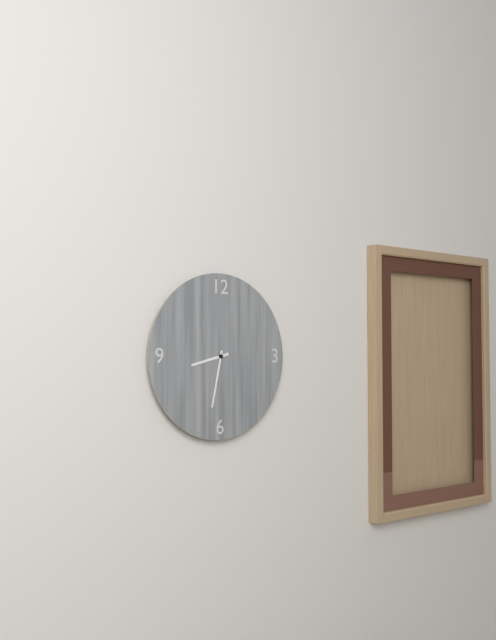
8:32
